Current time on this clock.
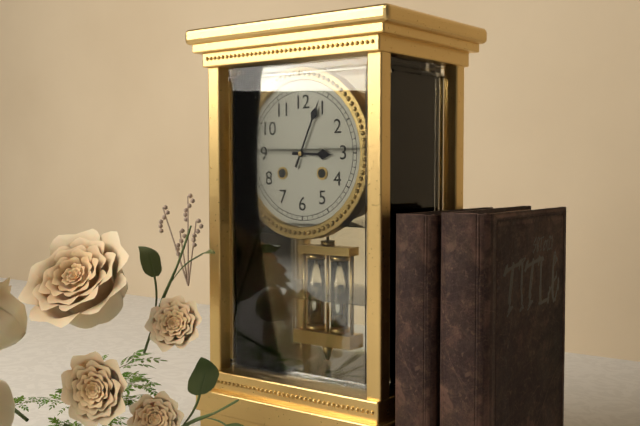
3:04
